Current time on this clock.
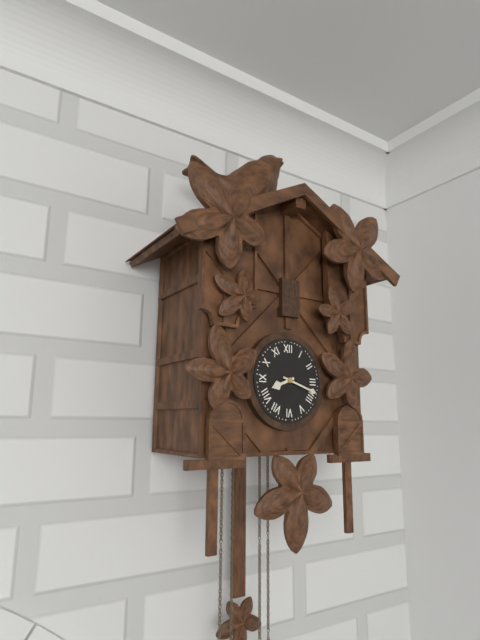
8:18
